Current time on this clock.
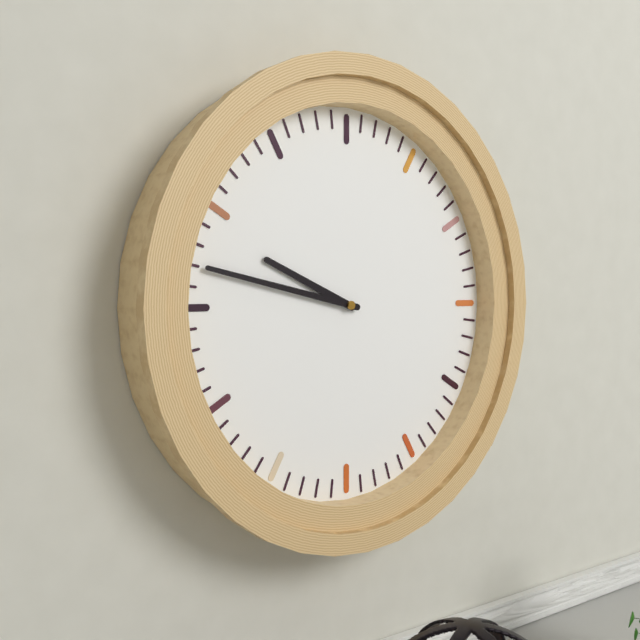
9:47
